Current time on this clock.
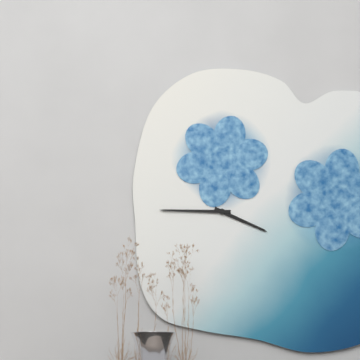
3:45
